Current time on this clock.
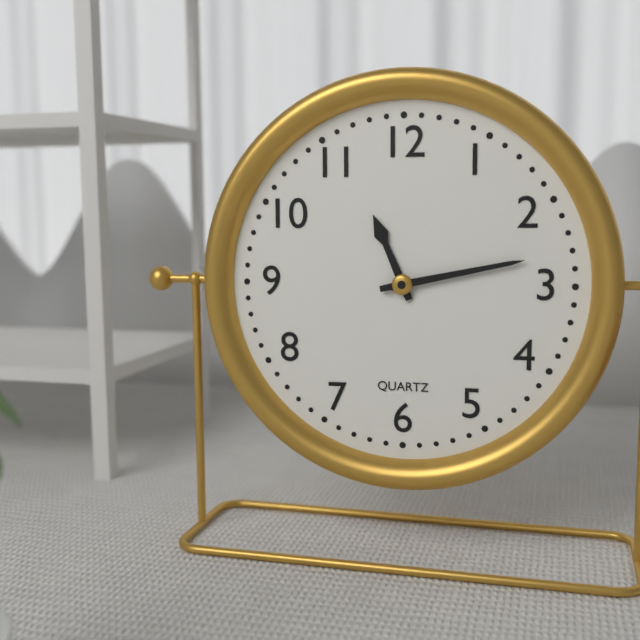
11:13
